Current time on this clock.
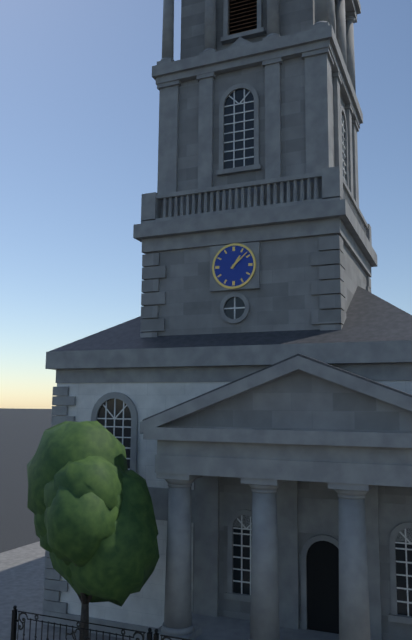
1:08
